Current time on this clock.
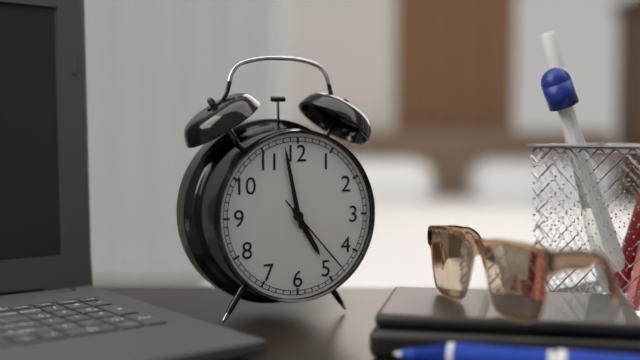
4:58:23
